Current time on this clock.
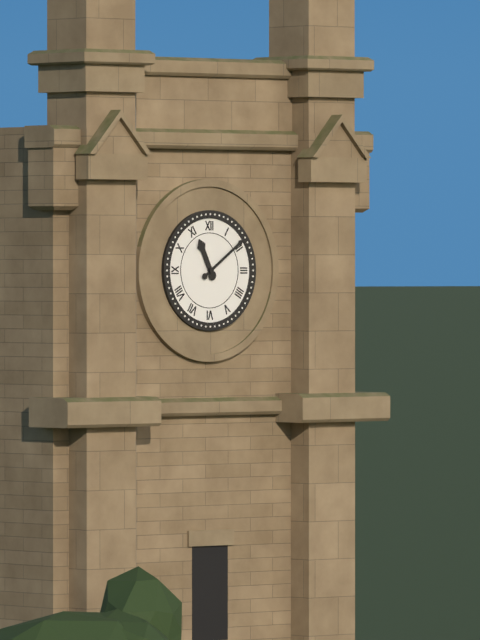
11:09
